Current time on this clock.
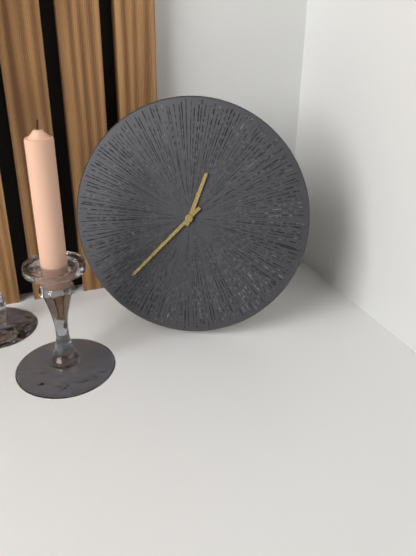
12:37
